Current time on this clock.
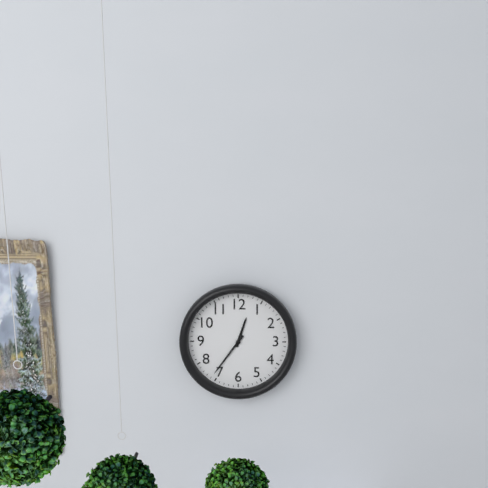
12:36
